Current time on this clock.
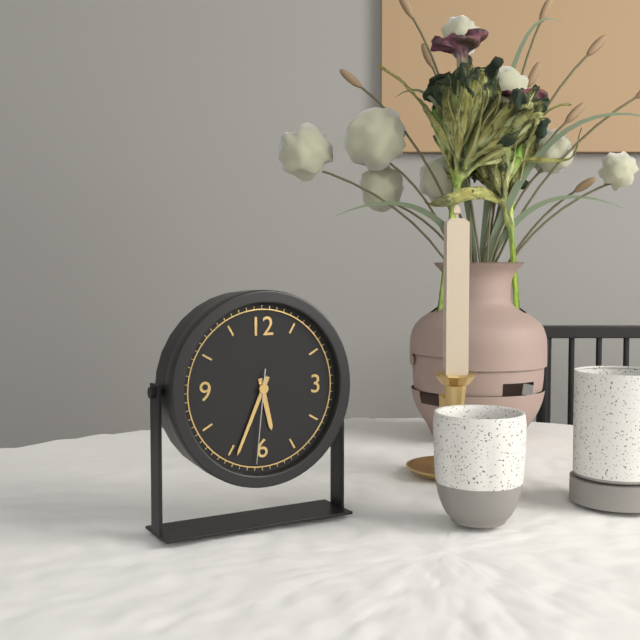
5:34:31
